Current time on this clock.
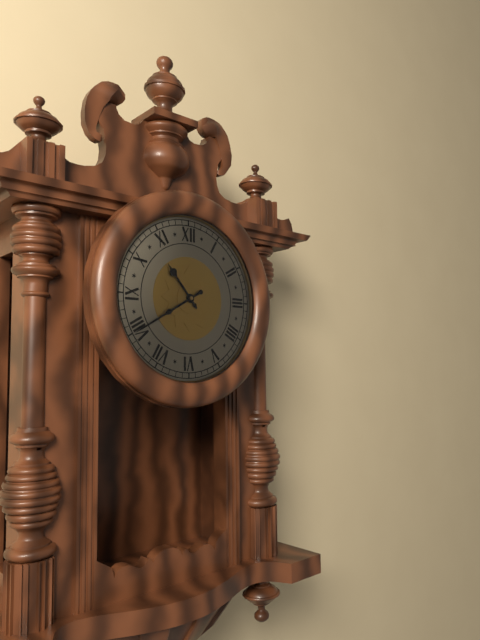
10:40
